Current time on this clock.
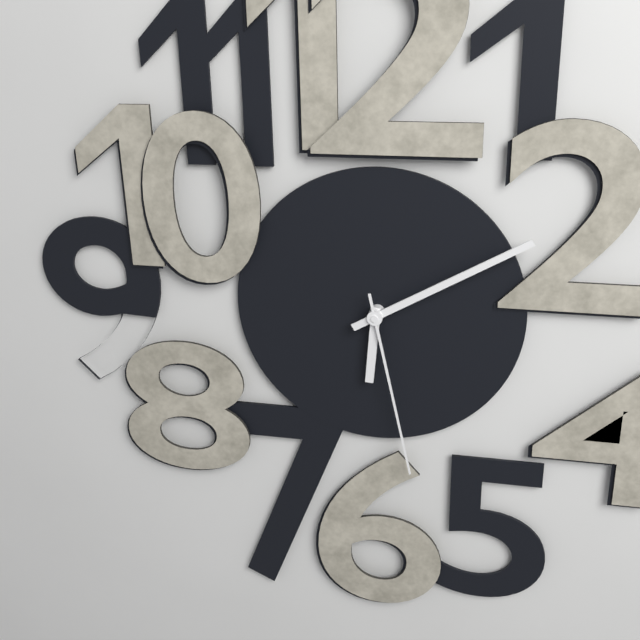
6:10:28
